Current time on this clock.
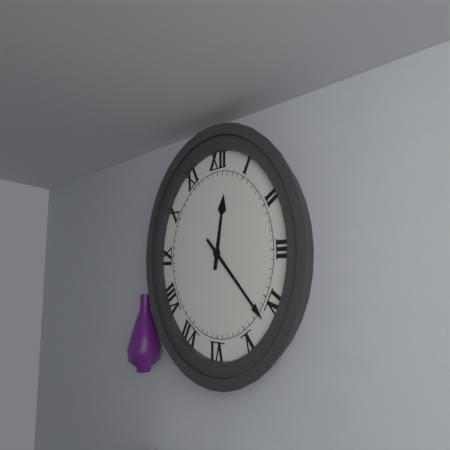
12:22
